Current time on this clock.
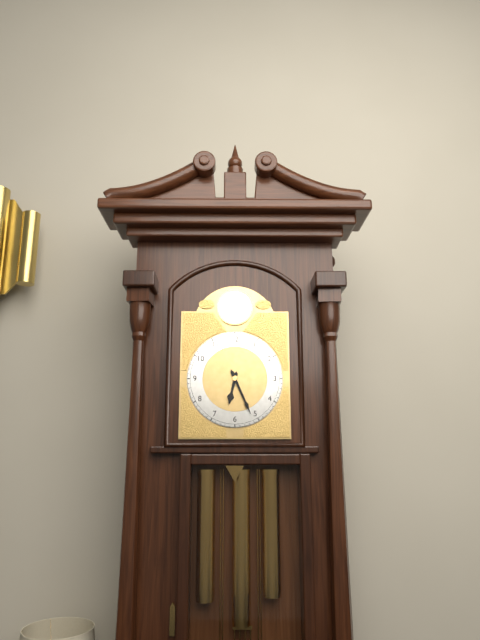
6:26
